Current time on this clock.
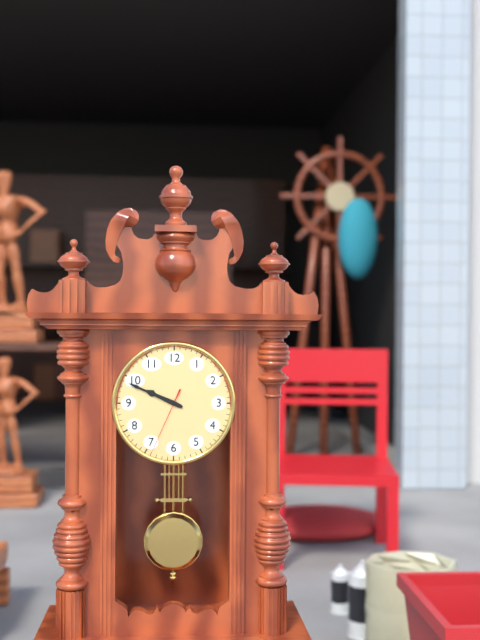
9:49:34
